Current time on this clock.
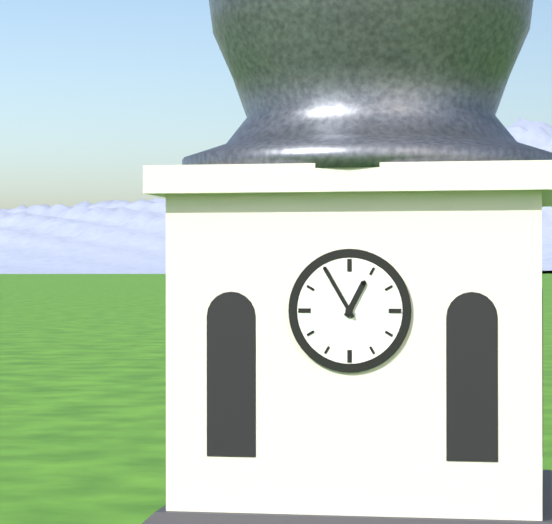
12:55
